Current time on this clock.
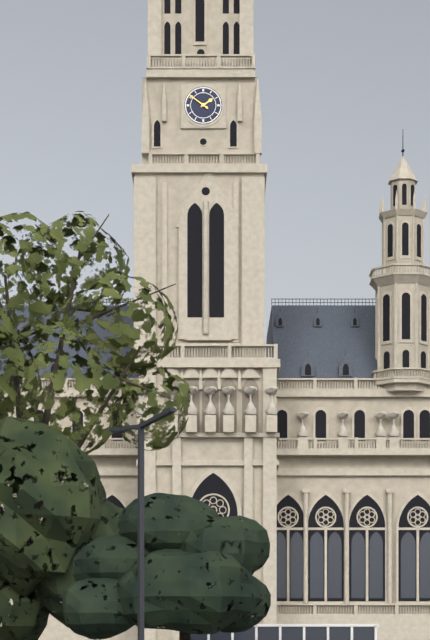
1:51
